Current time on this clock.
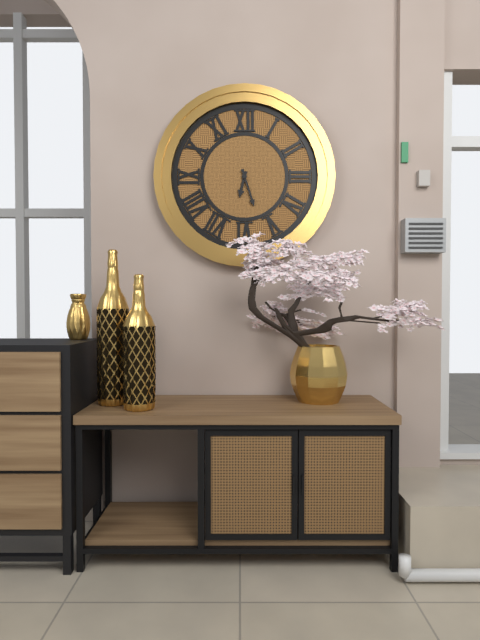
6:27
